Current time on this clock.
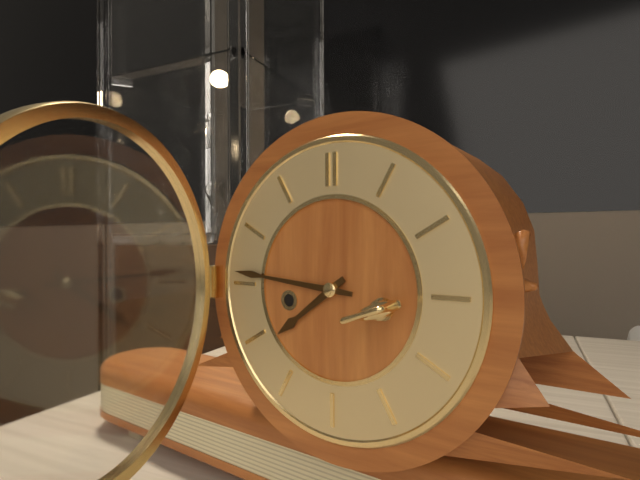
7:46
